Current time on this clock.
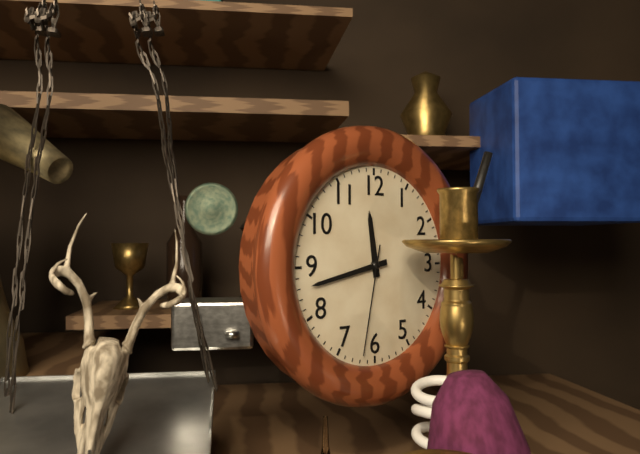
11:43:32
